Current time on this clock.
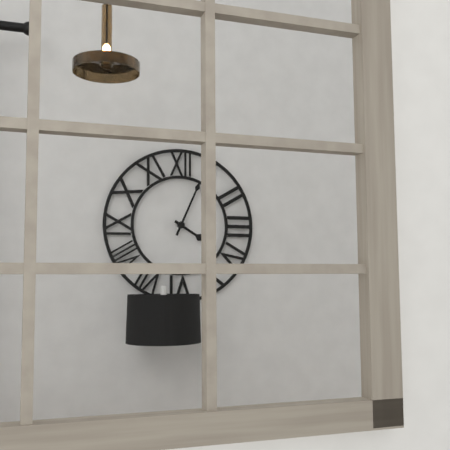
4:04
